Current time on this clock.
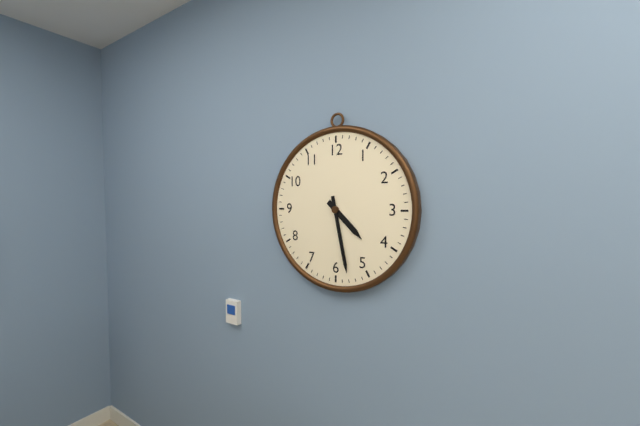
4:28
